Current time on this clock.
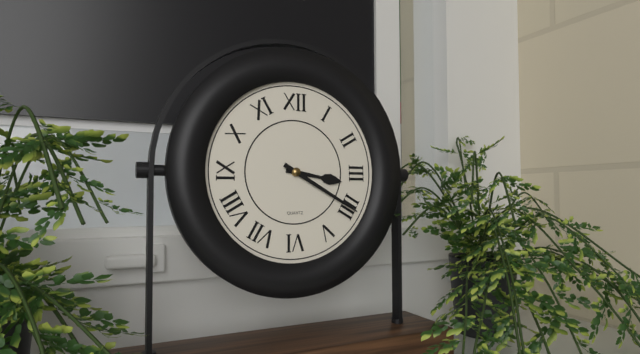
3:20
